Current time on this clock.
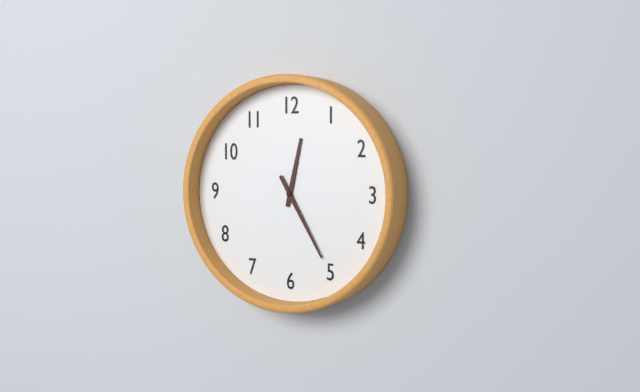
12:25
